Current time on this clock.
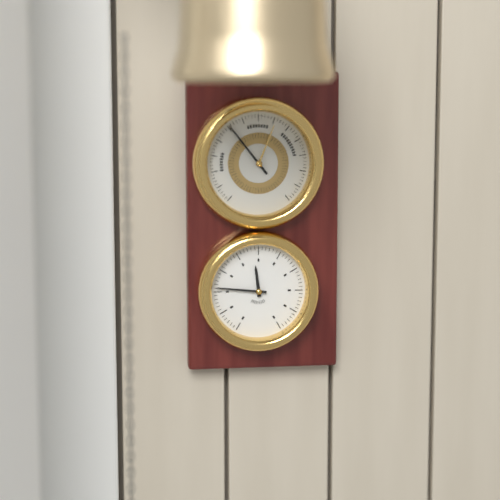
11:46
